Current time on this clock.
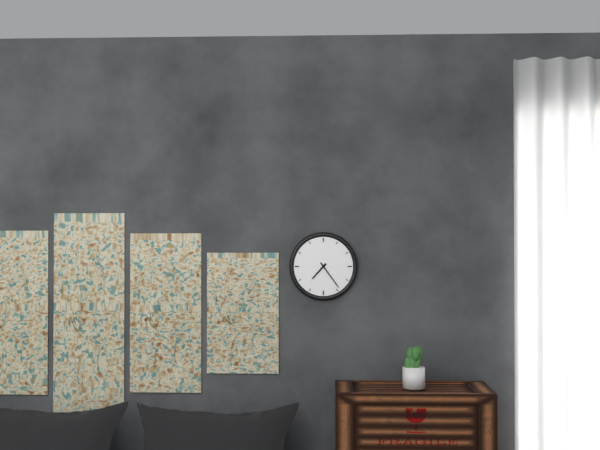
7:24
